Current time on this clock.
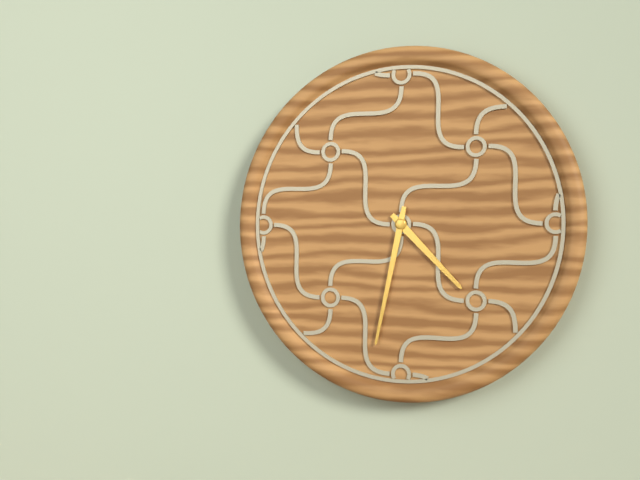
4:32
